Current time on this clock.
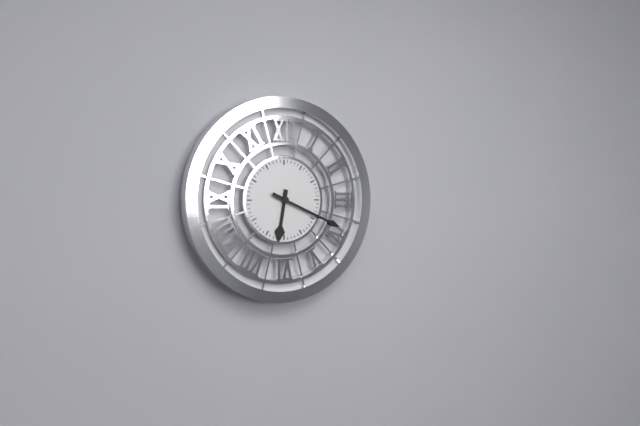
6:19
